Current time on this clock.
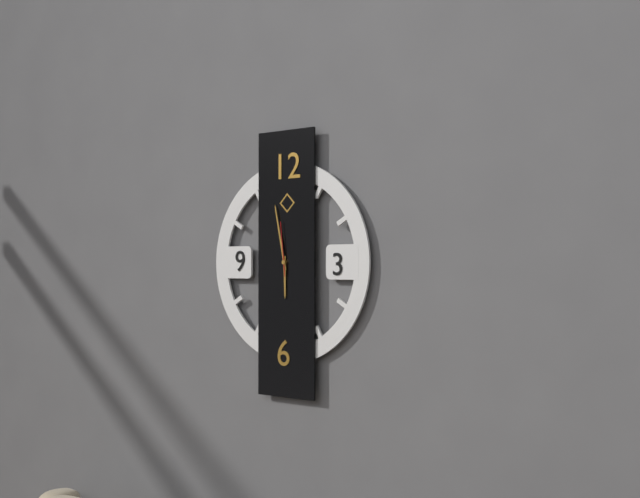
5:58:59
